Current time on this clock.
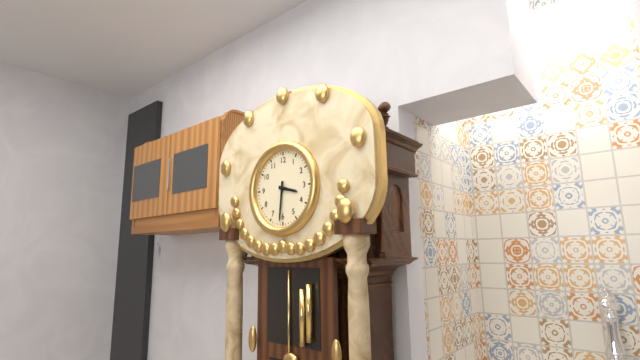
3:31
